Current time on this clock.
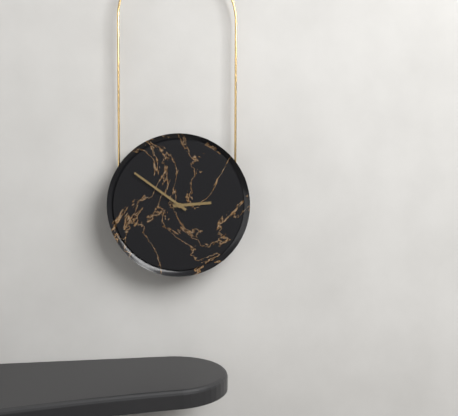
2:51
